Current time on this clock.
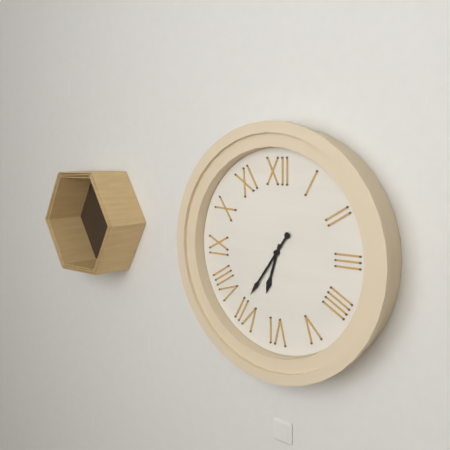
6:36
